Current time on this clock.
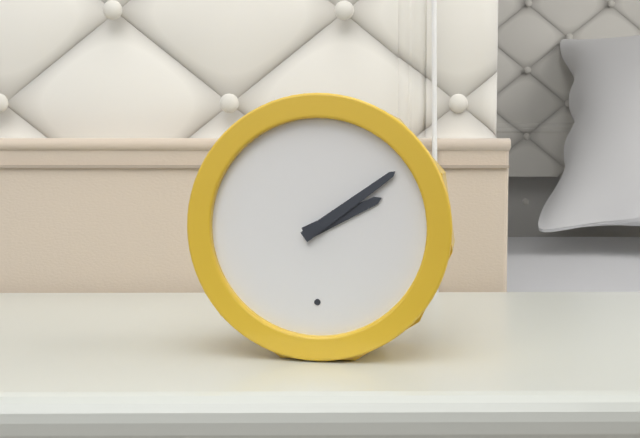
2:09
